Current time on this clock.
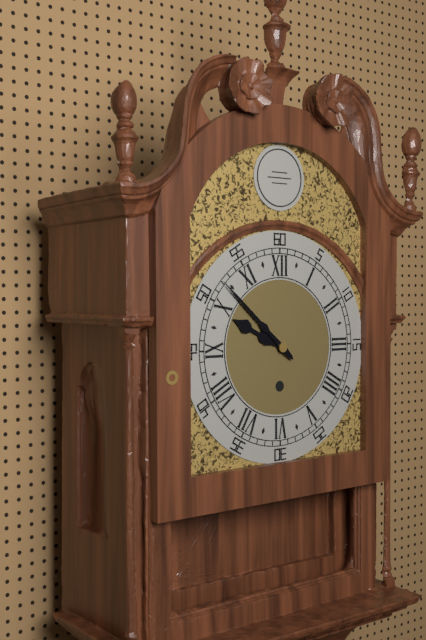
9:52
